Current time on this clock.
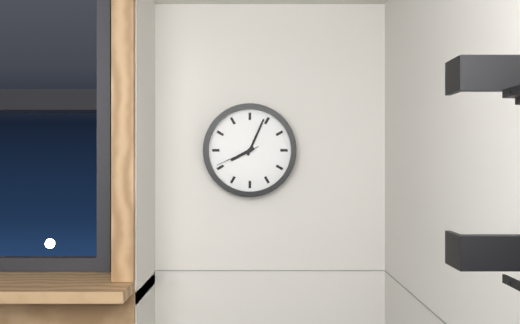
8:04
